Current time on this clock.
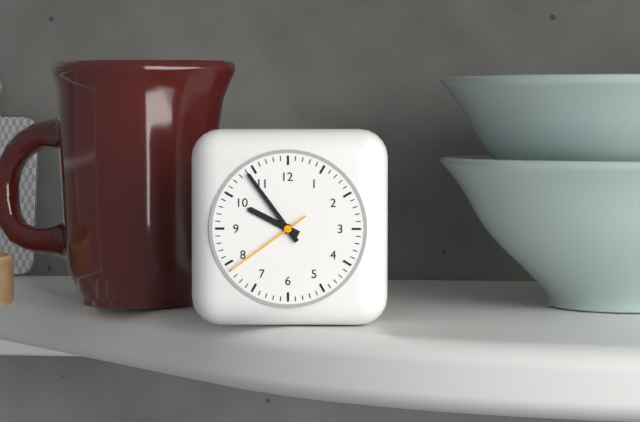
9:54:39
